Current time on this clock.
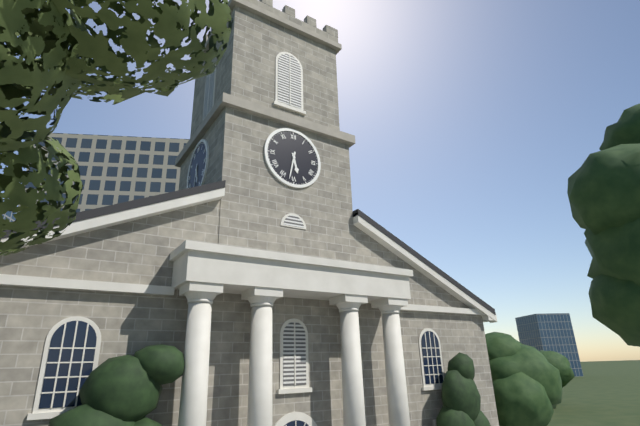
5:32
